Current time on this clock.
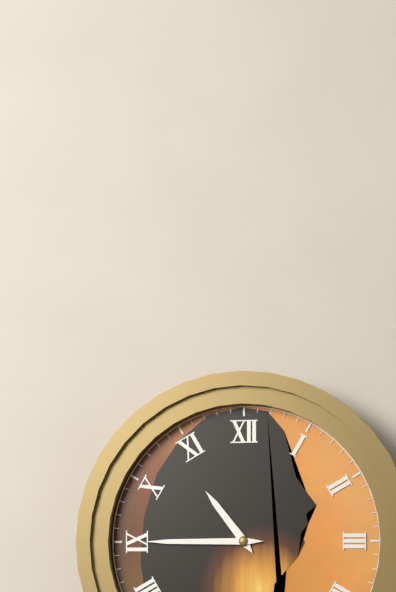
10:45
